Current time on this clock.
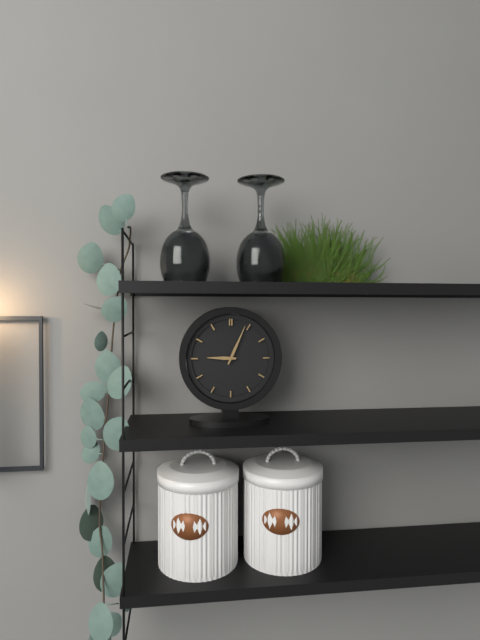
9:04
